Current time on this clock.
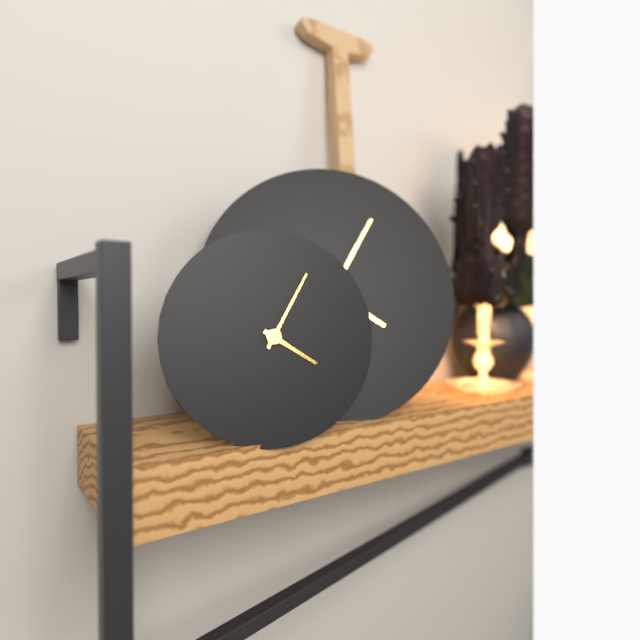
4:05
